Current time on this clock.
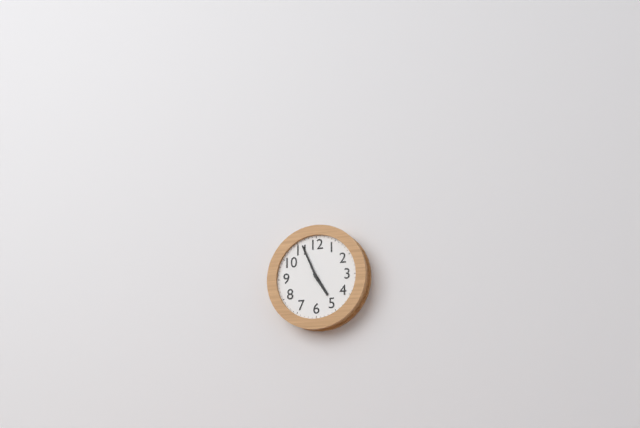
4:56
